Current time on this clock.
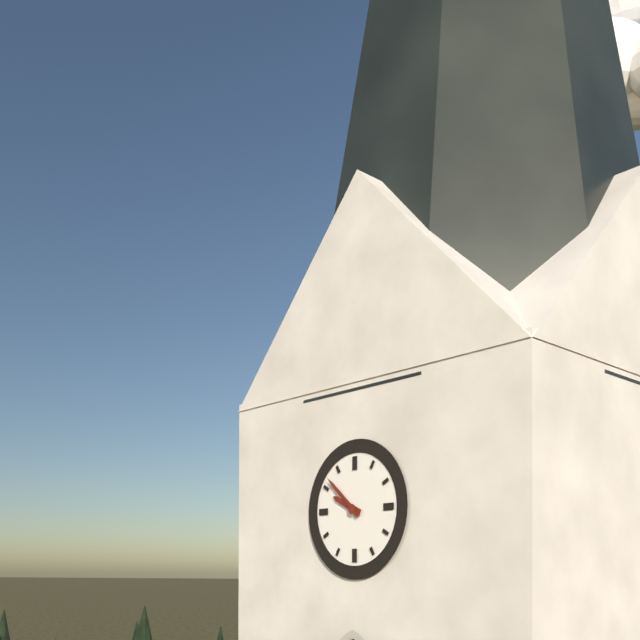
9:52
